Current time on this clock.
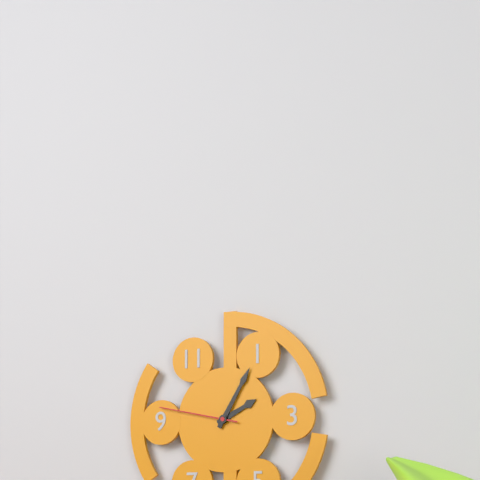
2:05:47
